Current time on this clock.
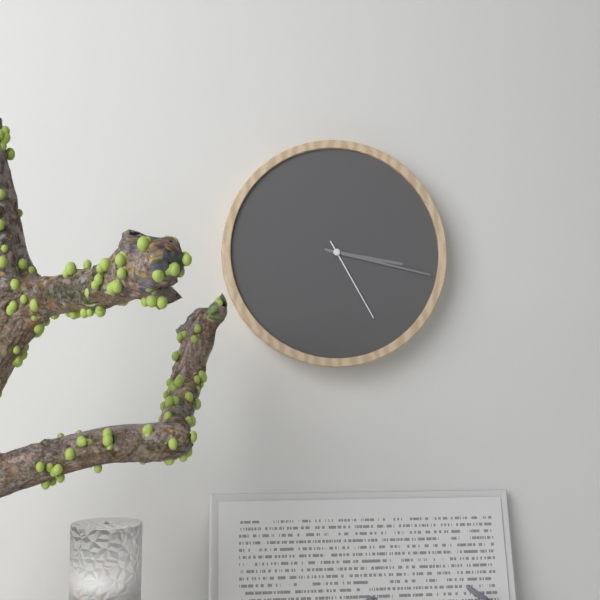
3:17:25
